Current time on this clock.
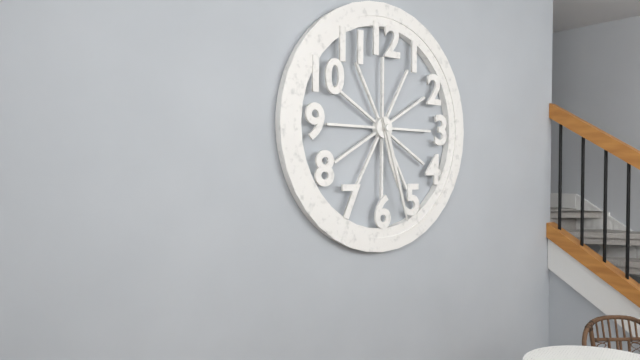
5:27
